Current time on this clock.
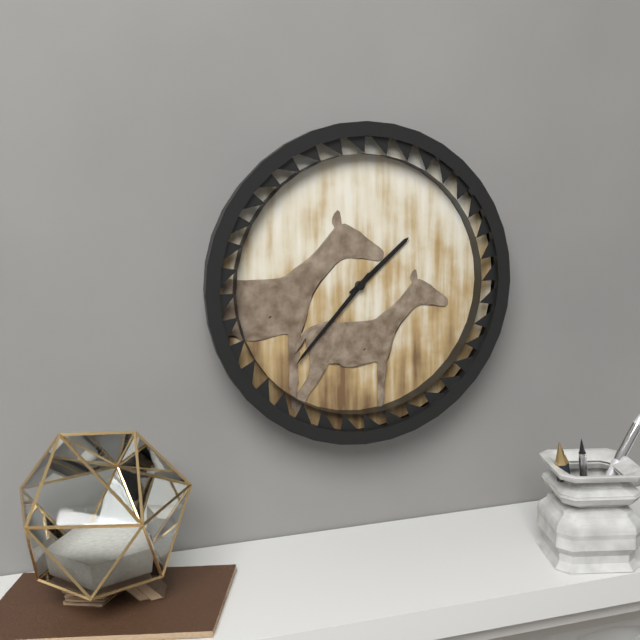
1:37:37
